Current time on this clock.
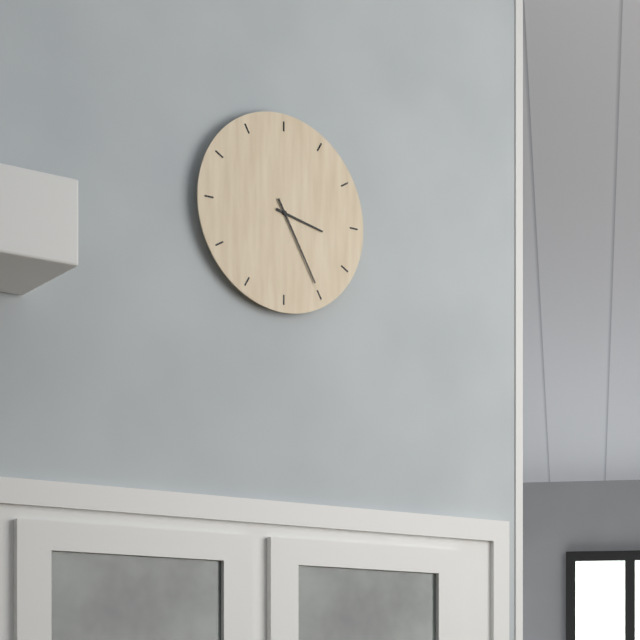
3:25
